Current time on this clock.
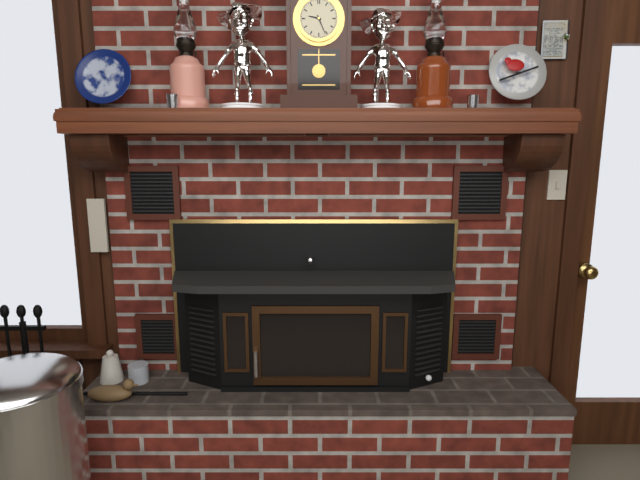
9:26
